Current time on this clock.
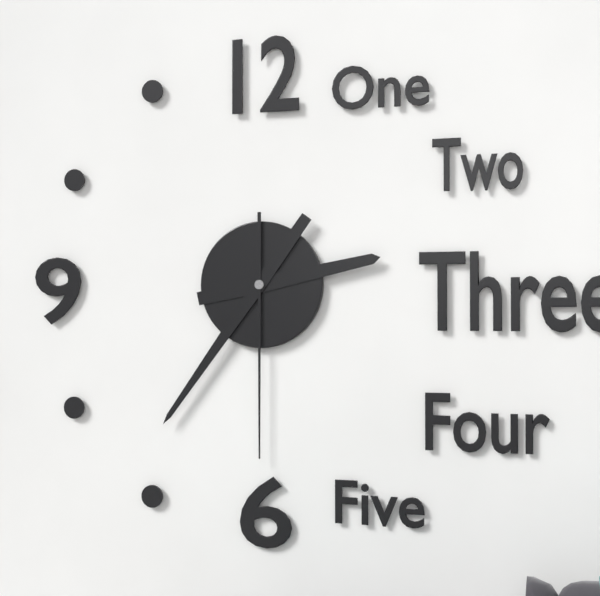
2:36:30
